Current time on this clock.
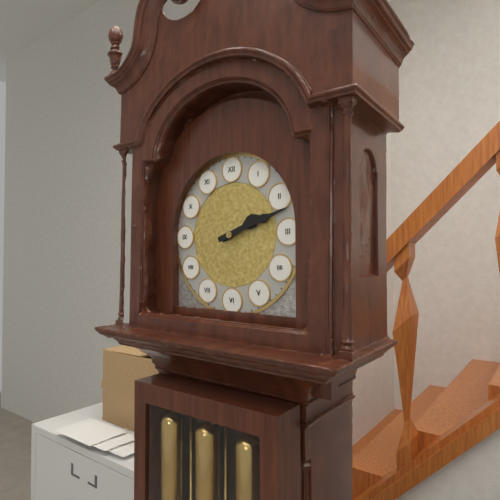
2:12
